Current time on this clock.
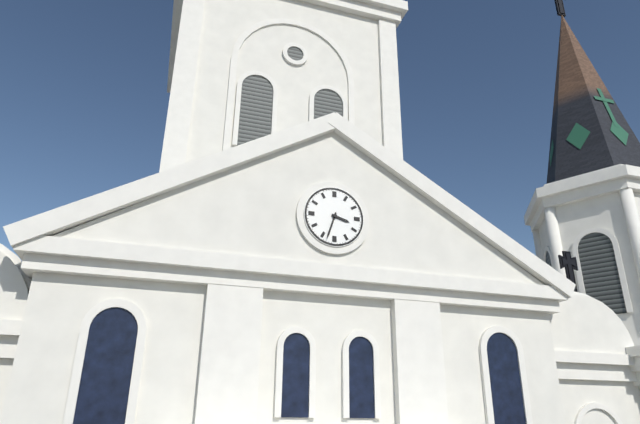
3:33
